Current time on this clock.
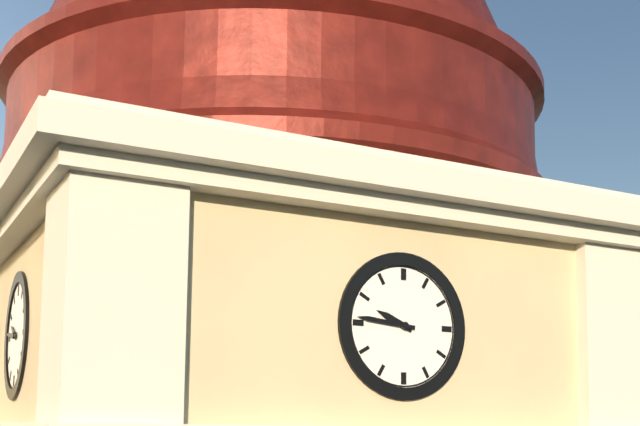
9:46
